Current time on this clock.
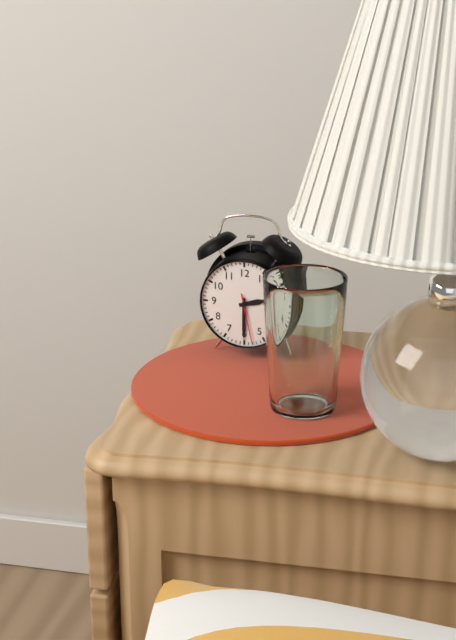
2:30
